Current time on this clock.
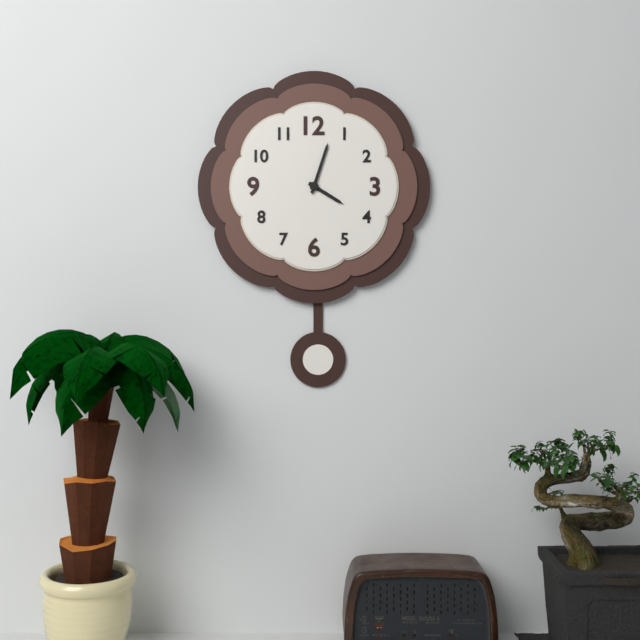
4:03
